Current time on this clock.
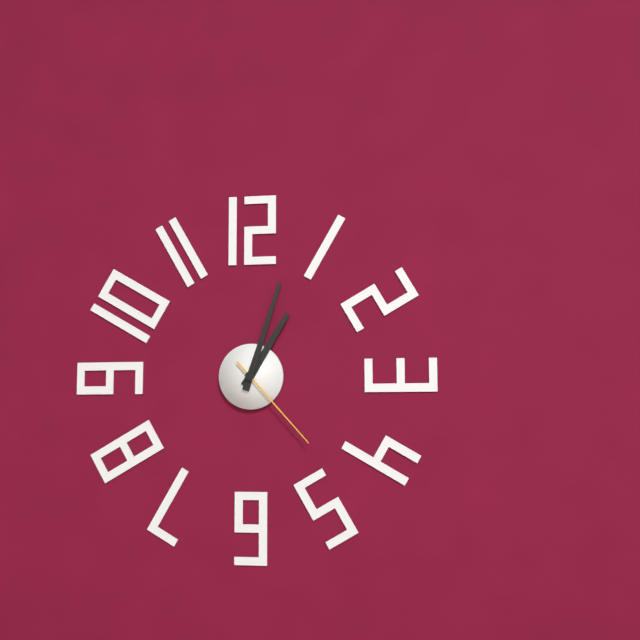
1:03:23
